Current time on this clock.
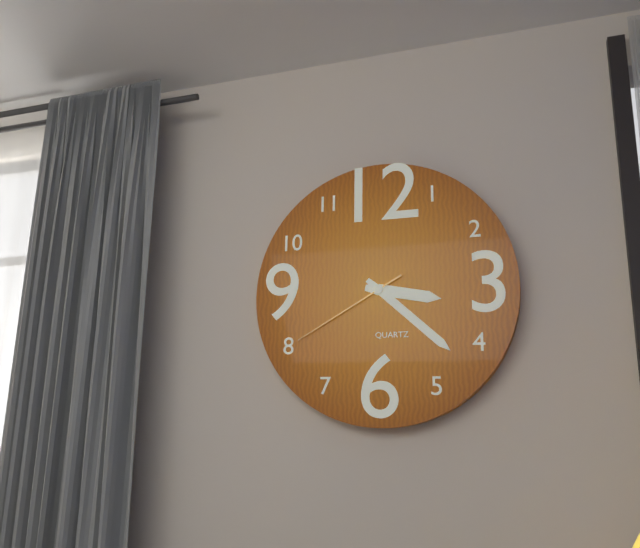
3:22:40
